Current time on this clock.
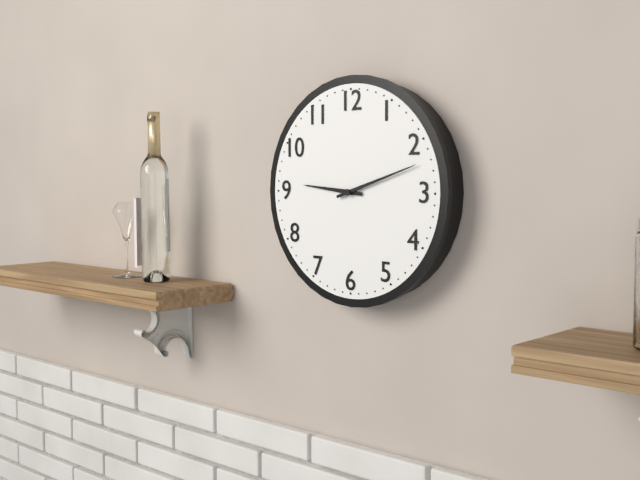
9:12
